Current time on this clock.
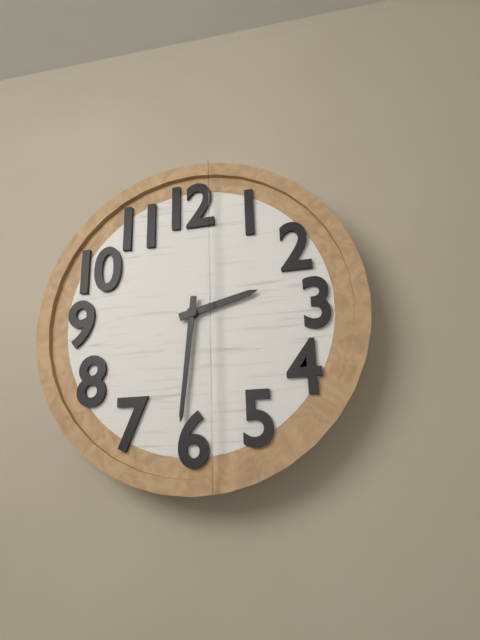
2:31
